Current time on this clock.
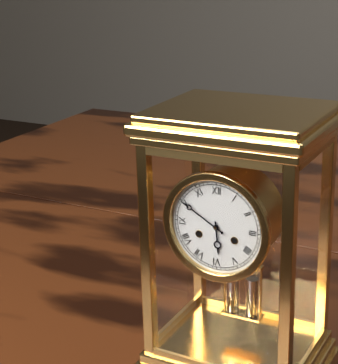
5:50
